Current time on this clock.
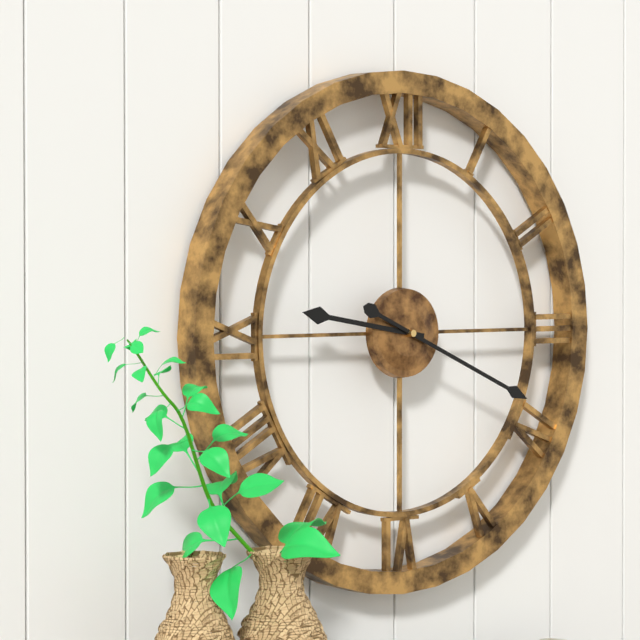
9:19
